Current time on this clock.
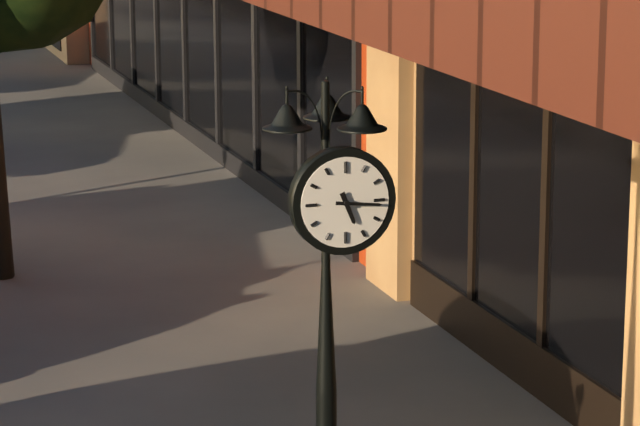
5:16
